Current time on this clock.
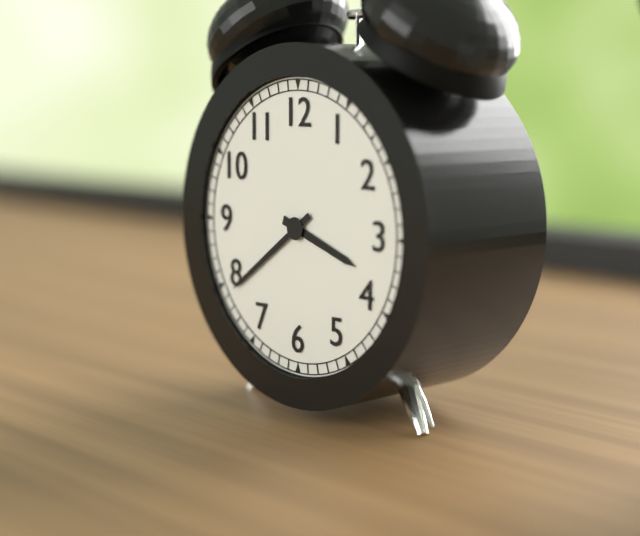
3:39
